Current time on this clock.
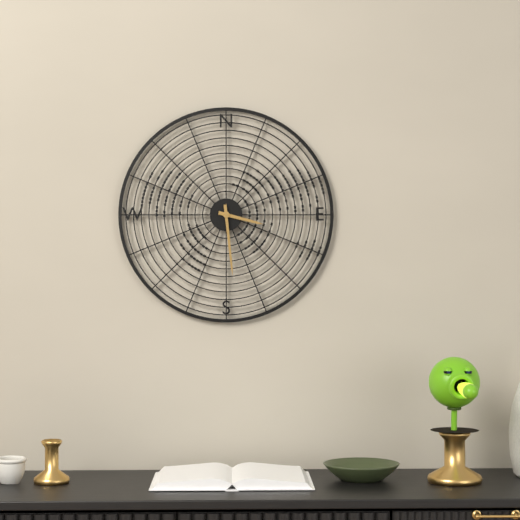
3:29
